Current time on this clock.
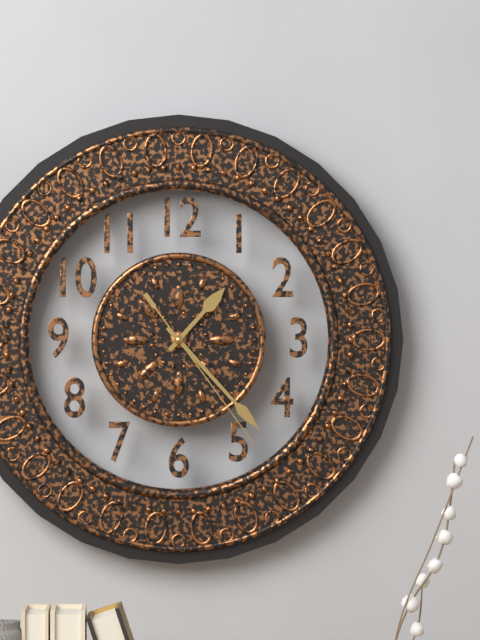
1:23:24
